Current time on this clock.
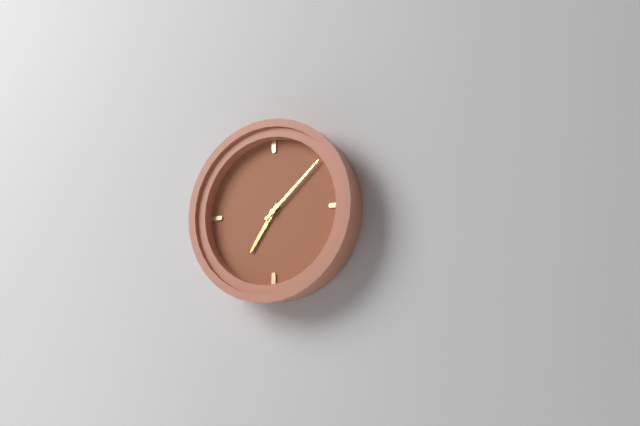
7:08
